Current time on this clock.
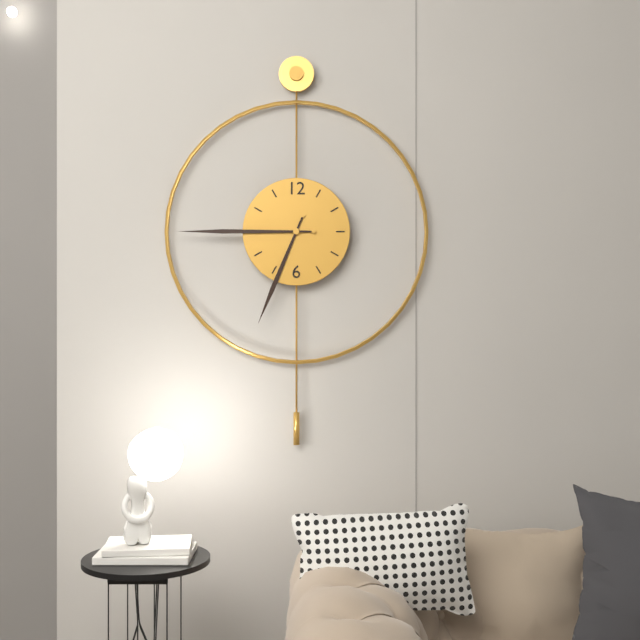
6:45
